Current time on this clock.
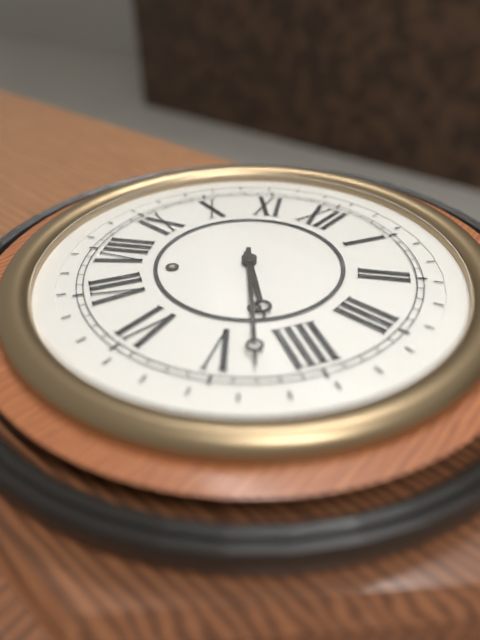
4:23
